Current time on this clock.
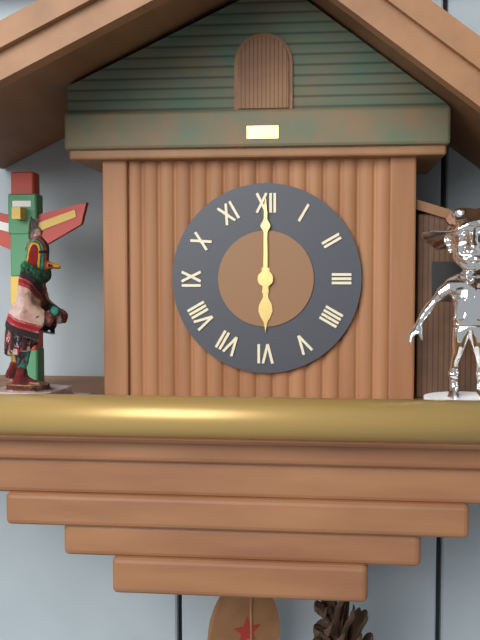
6:00
